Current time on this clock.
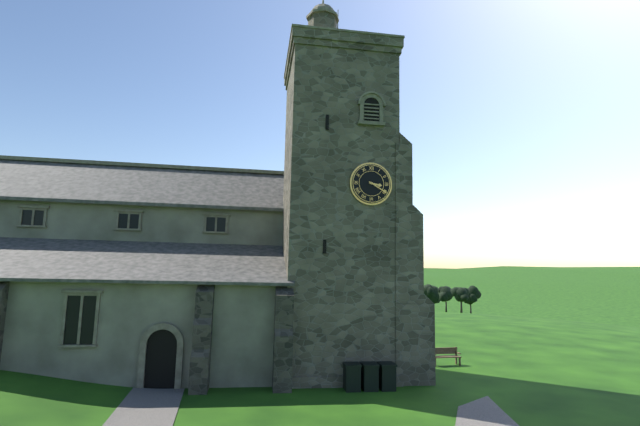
3:20
